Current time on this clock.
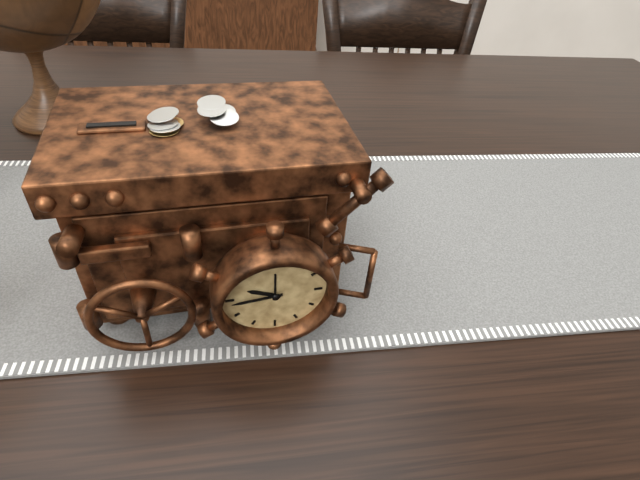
9:44
